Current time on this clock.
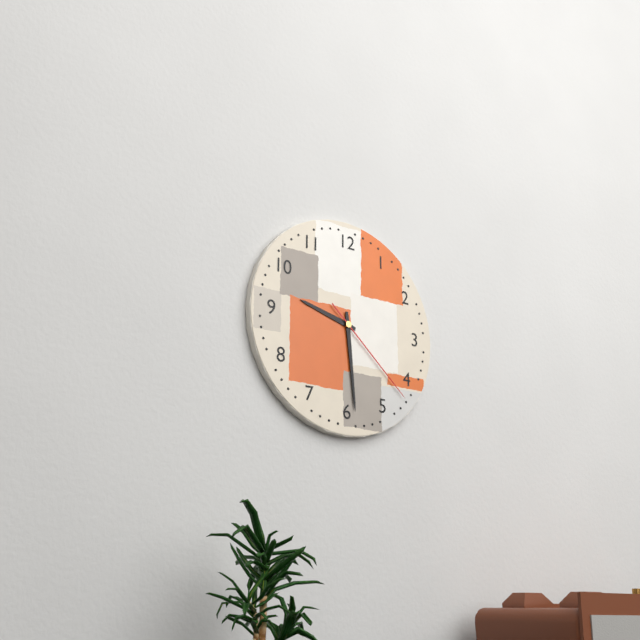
9:29:22
